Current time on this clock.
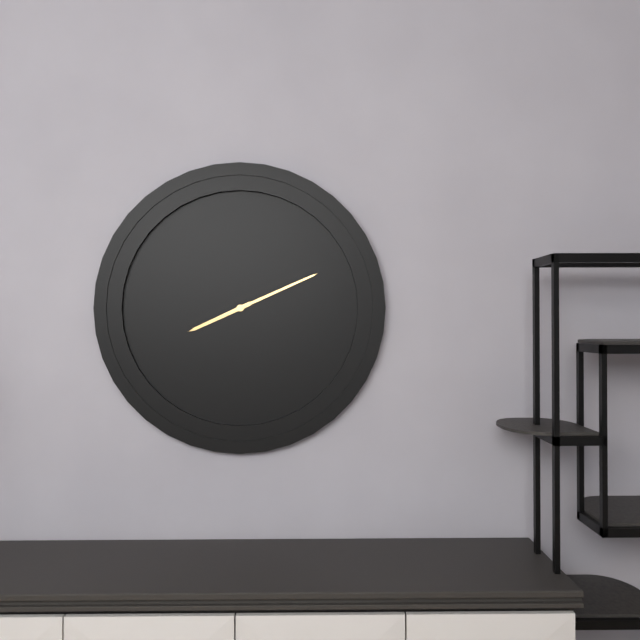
8:11
